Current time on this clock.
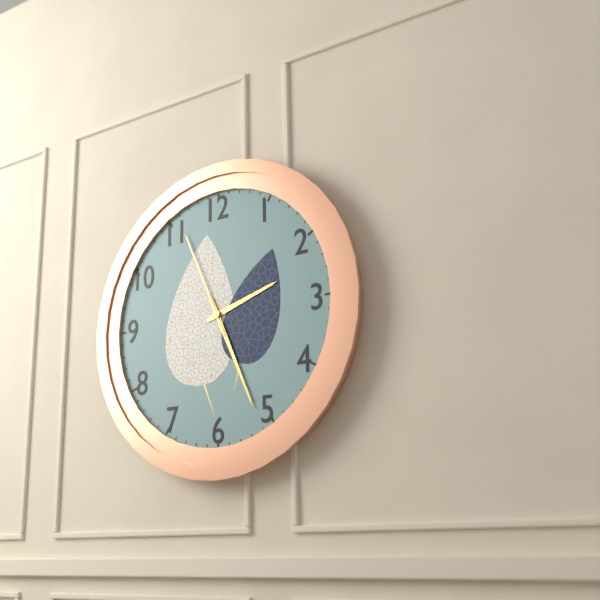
2:26:56
